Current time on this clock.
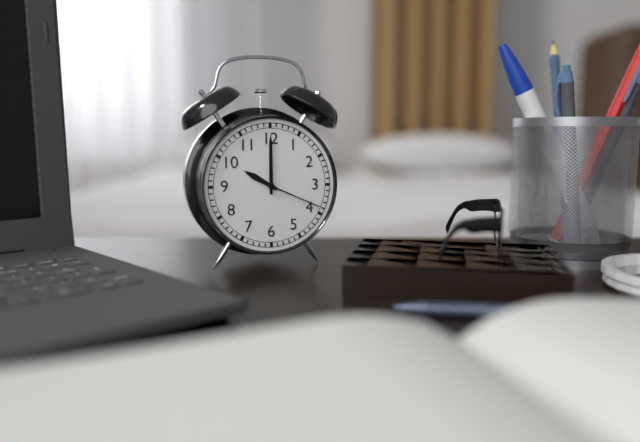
10:00:19
